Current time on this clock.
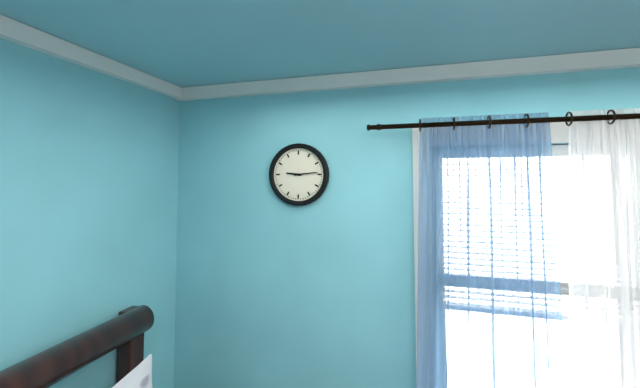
9:14
